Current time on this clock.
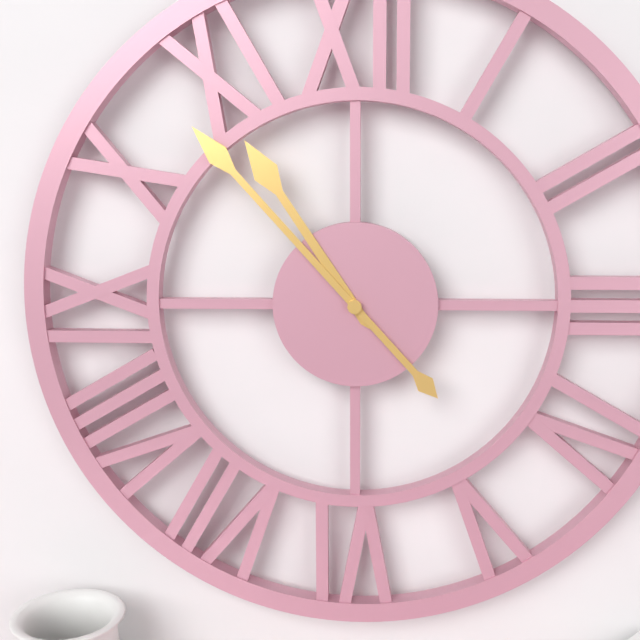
10:53
